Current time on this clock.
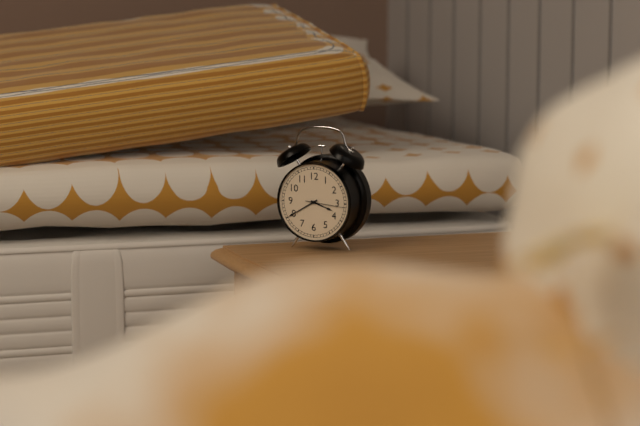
3:40
